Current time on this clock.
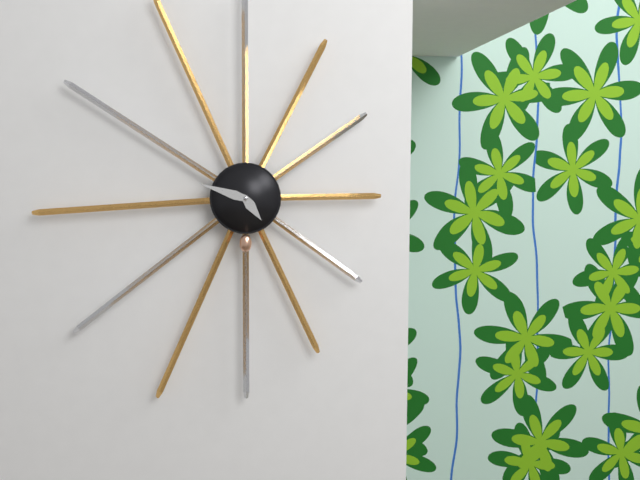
4:48
